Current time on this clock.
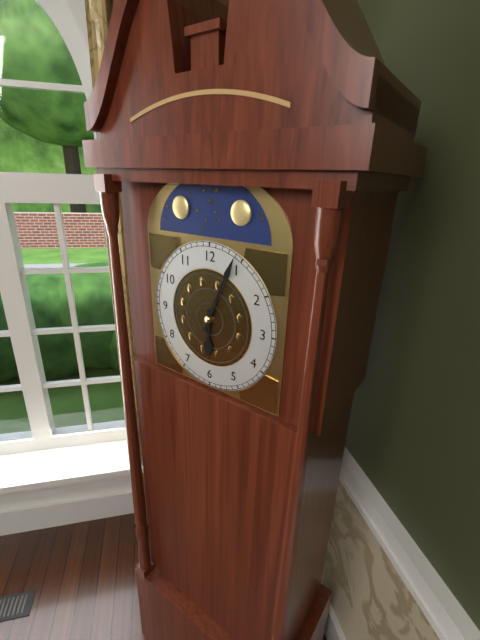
6:04
